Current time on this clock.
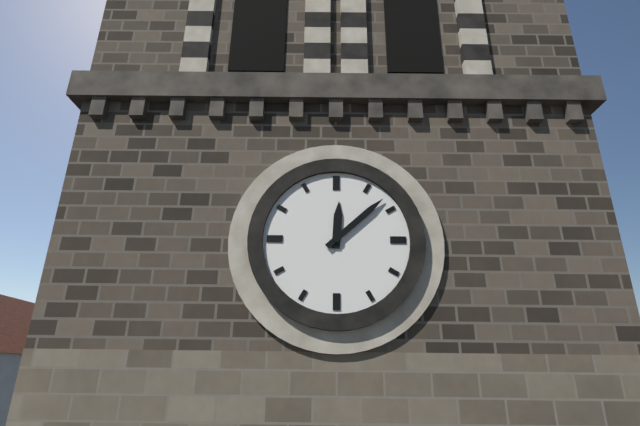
12:08
